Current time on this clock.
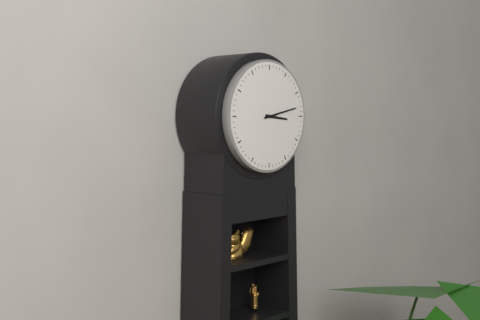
3:13
